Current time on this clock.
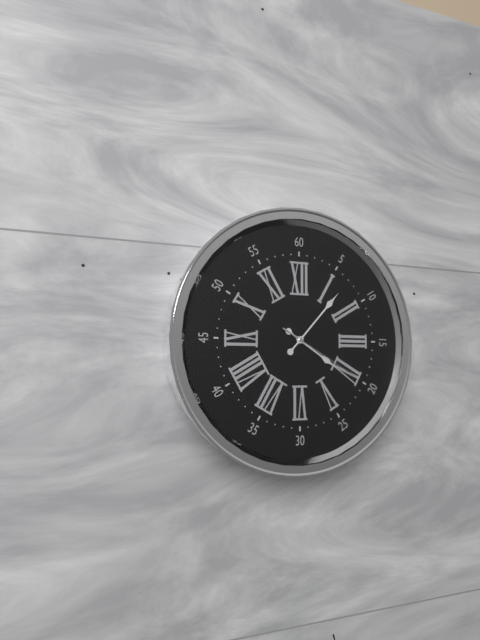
4:07:20
